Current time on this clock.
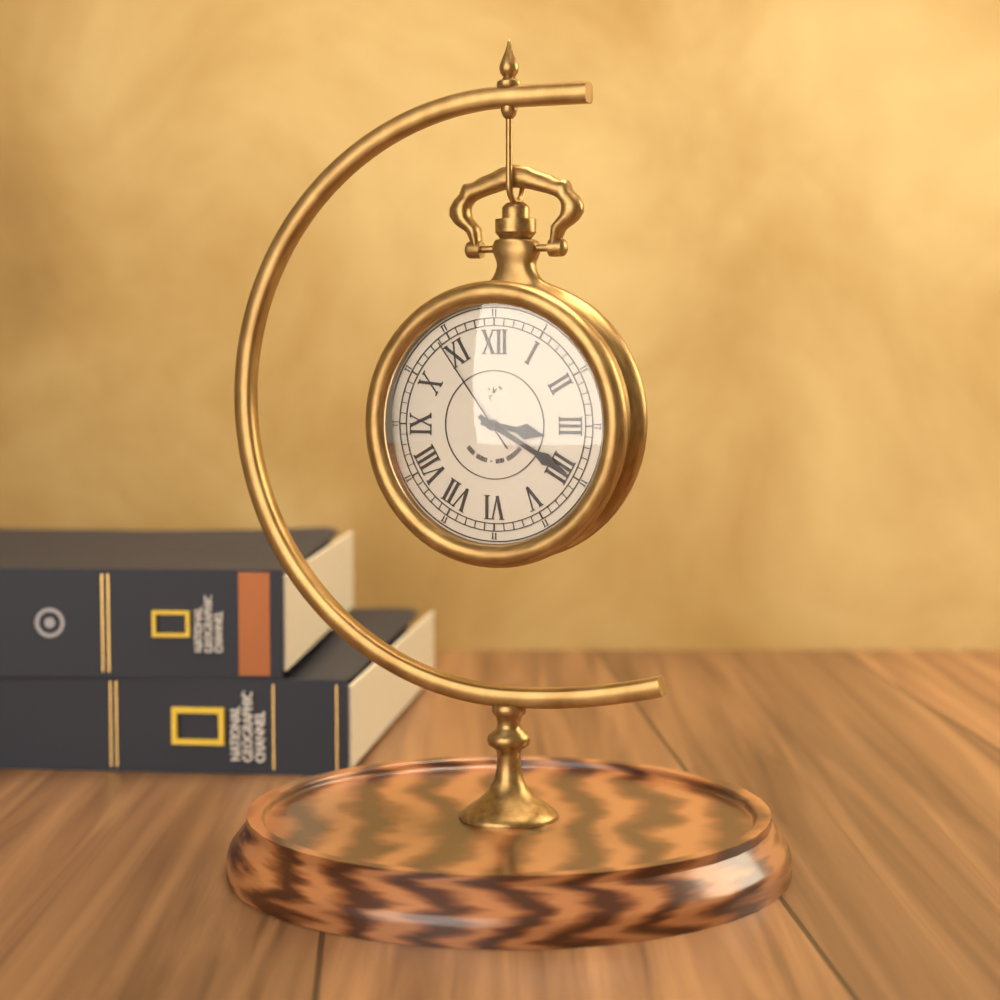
3:20:54
